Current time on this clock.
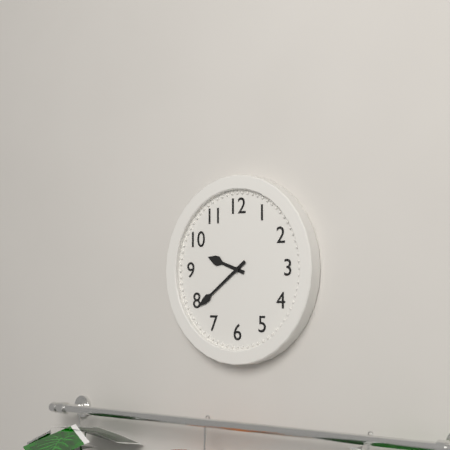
9:39
